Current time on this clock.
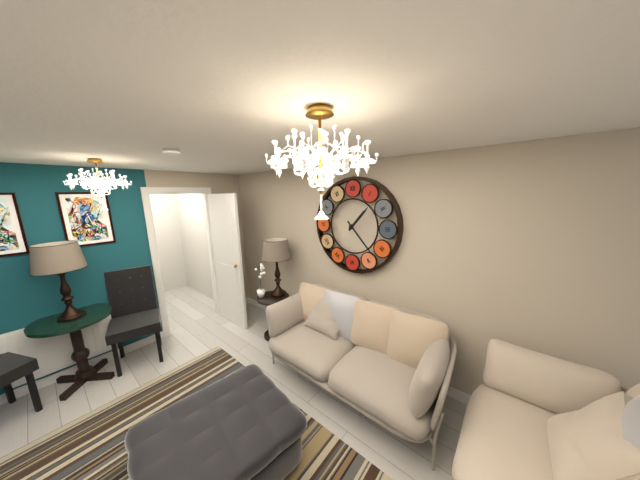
1:23
